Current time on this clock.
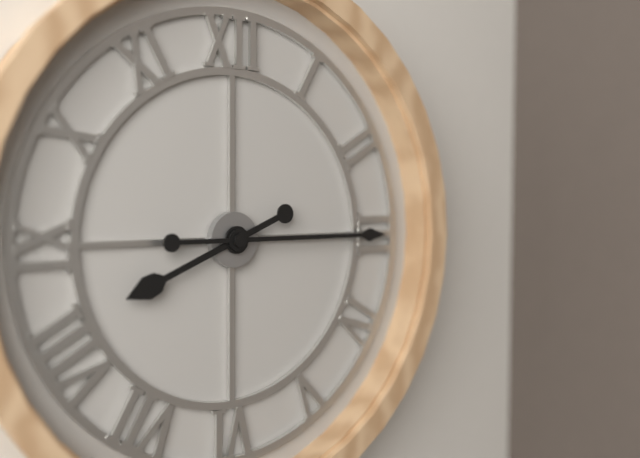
8:15
